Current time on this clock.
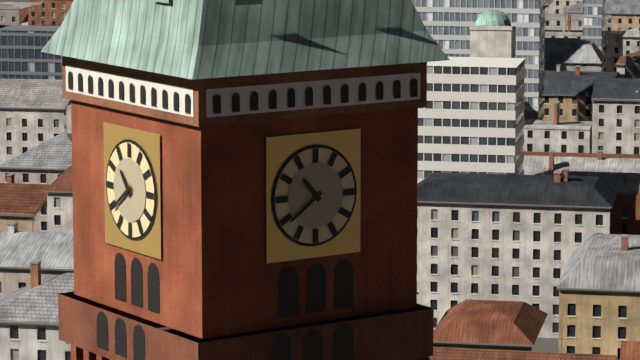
10:39
